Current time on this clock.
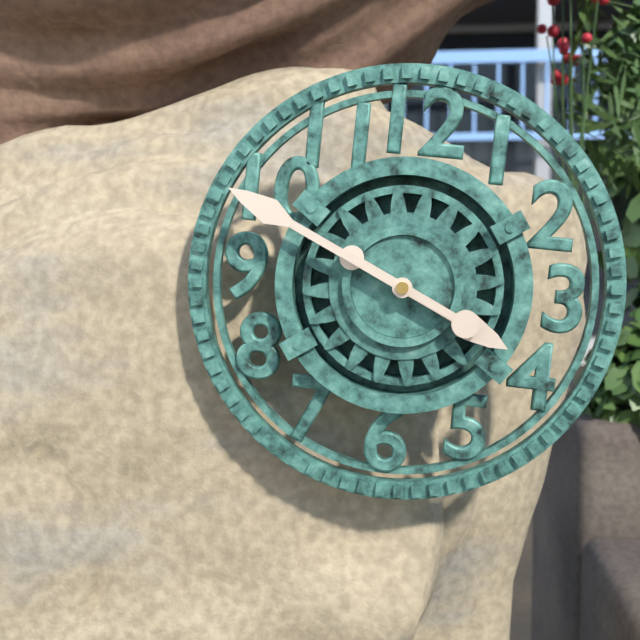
3:49
